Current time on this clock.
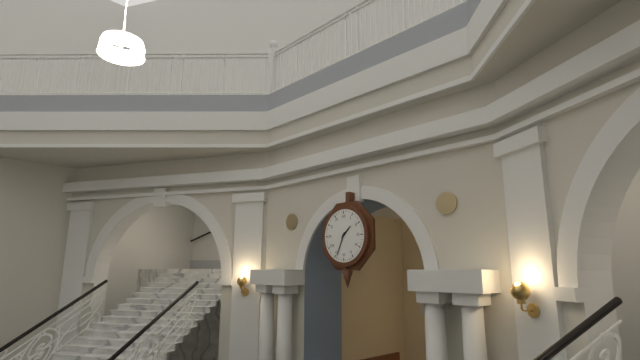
1:34
